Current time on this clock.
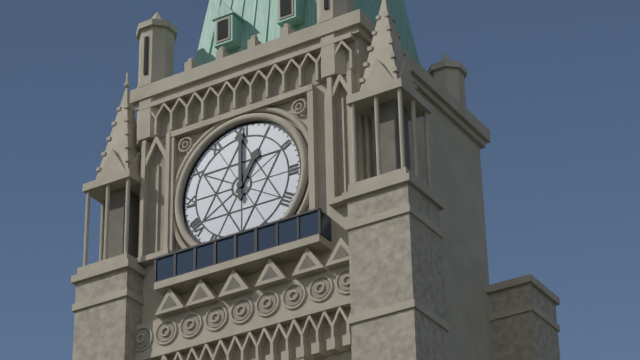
1:00
